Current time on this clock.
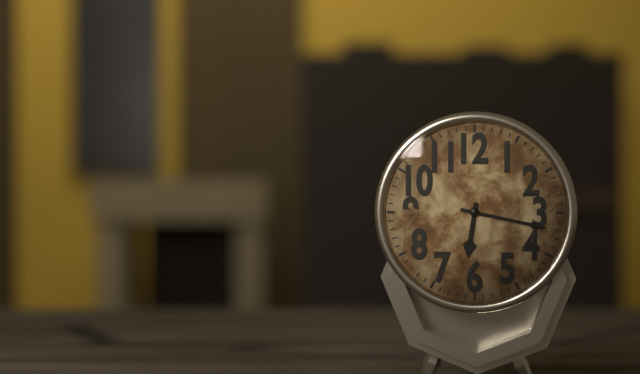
6:17
